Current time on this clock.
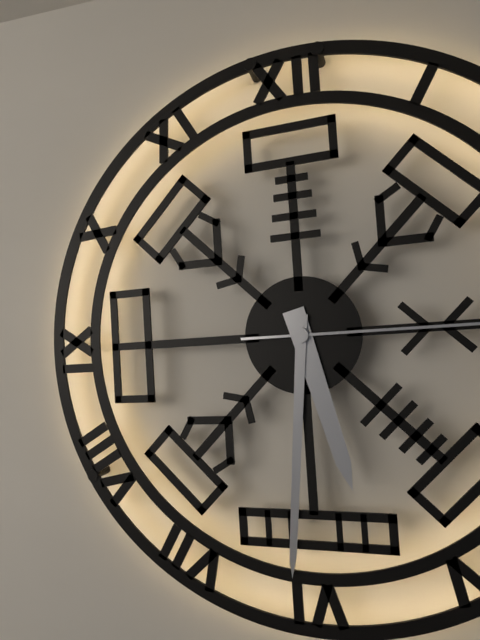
5:31
